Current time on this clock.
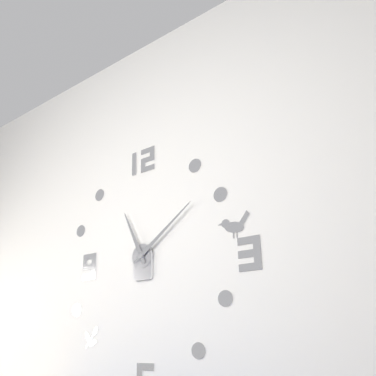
11:09
